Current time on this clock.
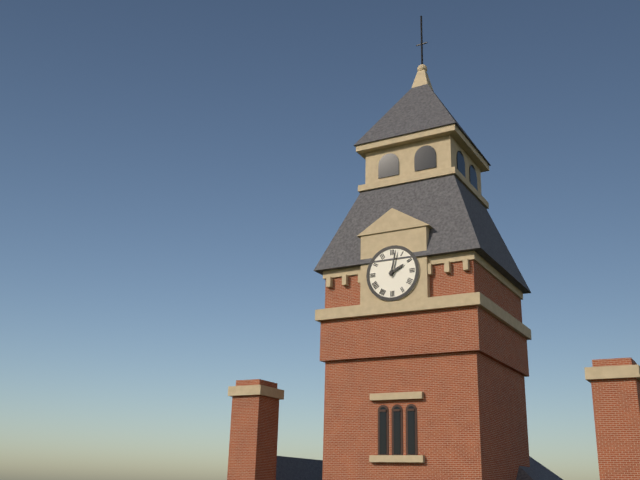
2:02
